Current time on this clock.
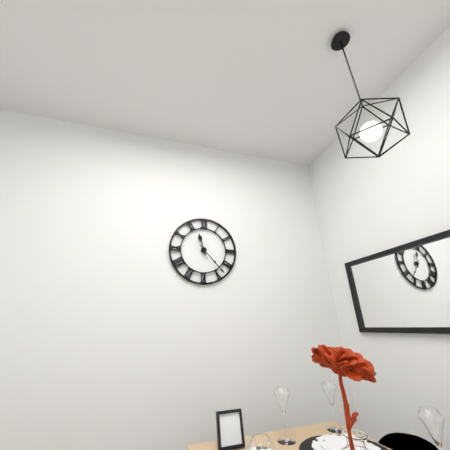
11:23
